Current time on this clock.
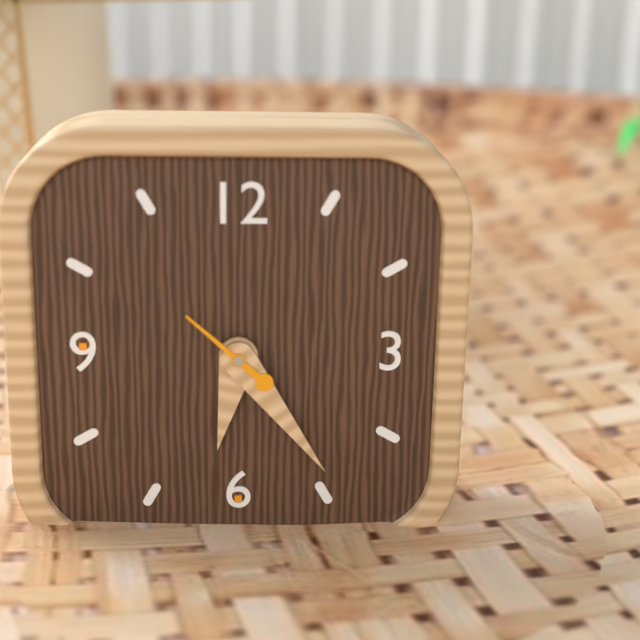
6:24:52
